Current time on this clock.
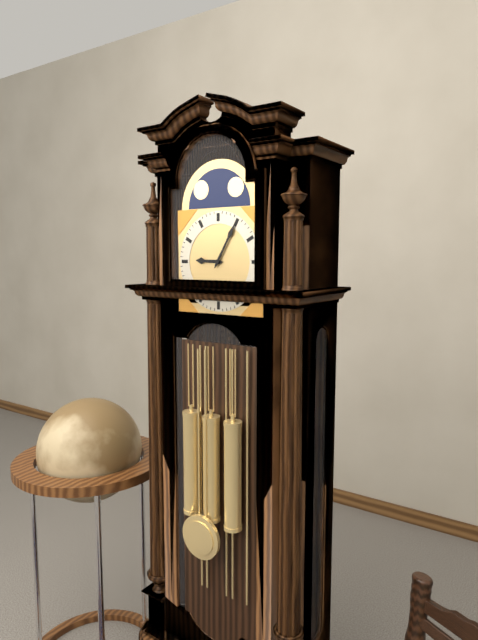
9:05
